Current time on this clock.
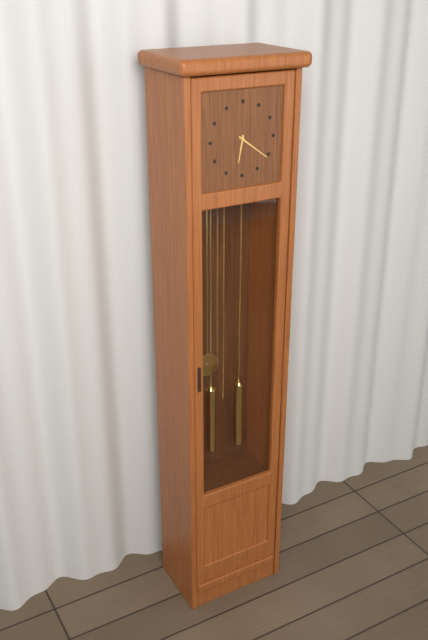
6:21
